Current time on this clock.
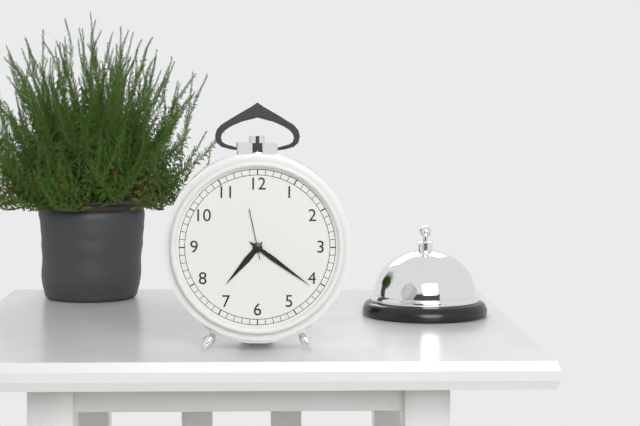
7:21:58
